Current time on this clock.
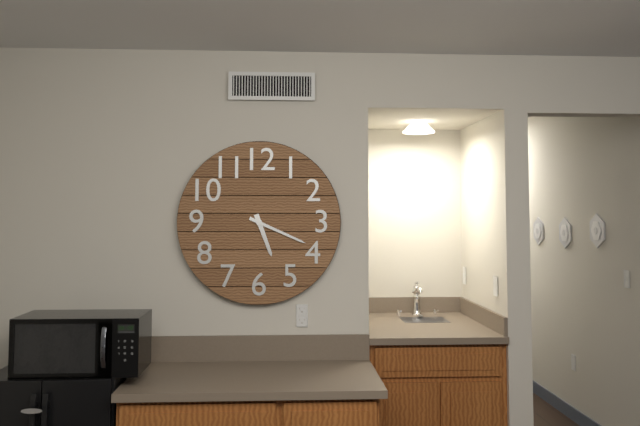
5:19
